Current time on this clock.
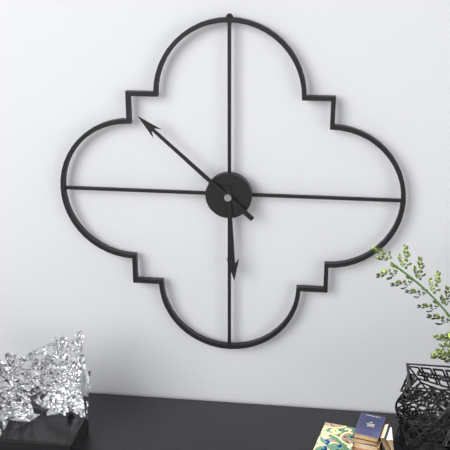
5:52
